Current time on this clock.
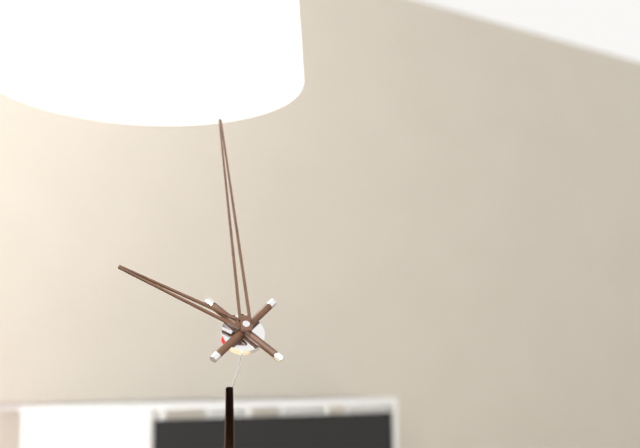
10:00
